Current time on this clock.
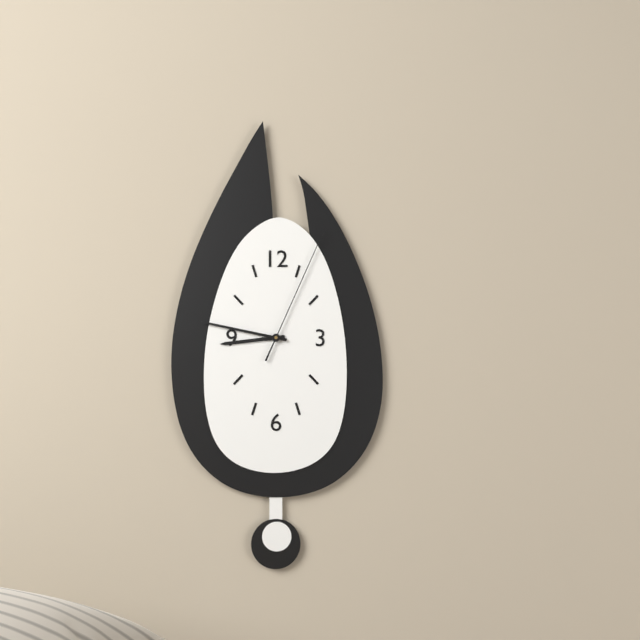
8:47:04
